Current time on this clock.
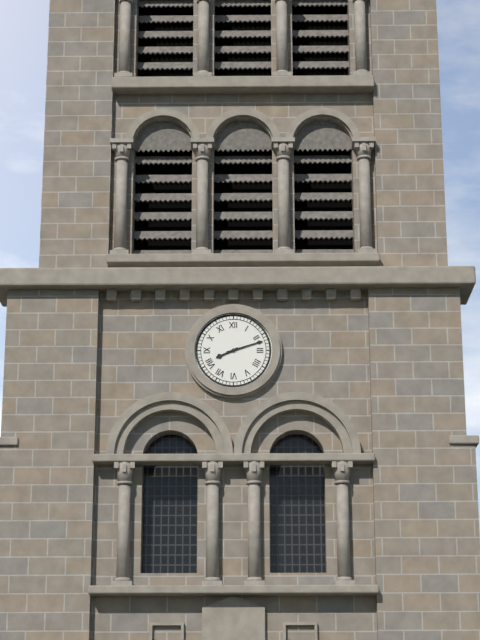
8:12
